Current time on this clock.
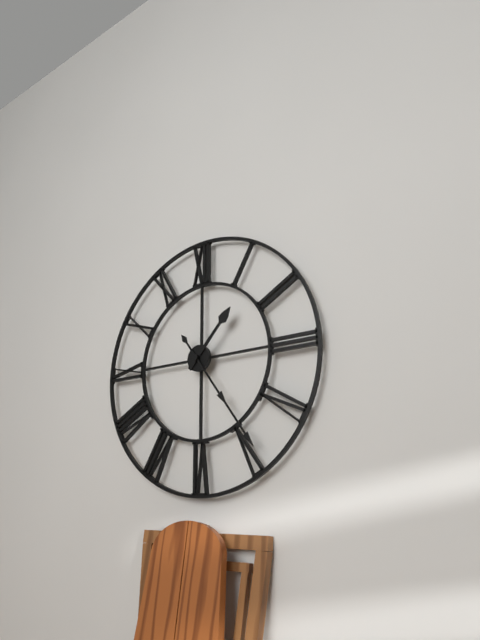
1:24
